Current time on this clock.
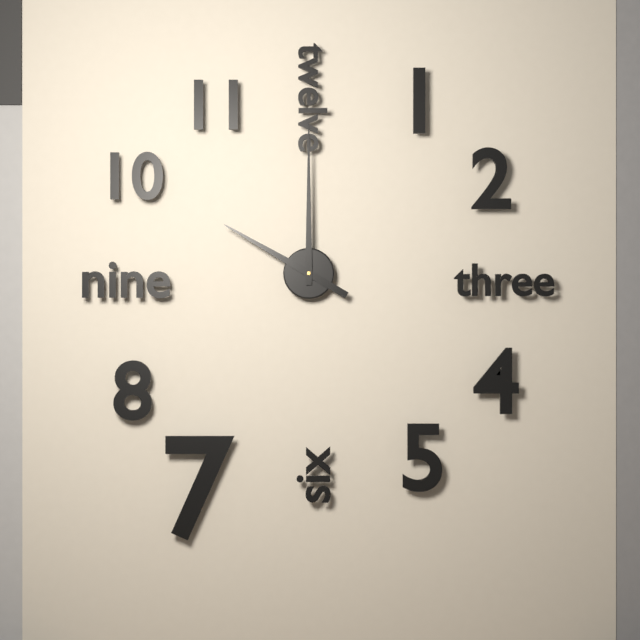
10:00
